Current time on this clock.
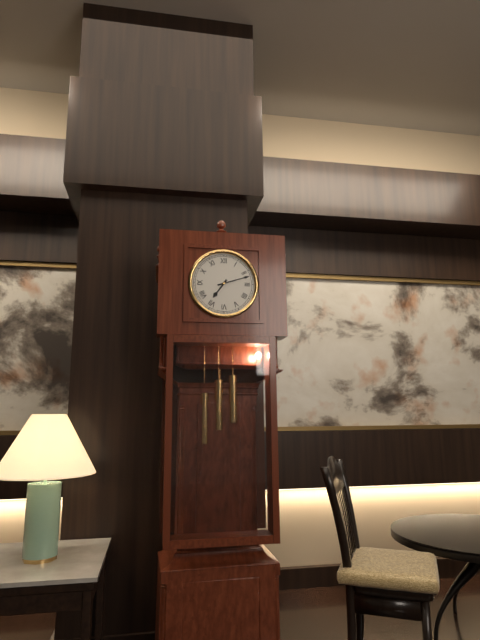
7:12
